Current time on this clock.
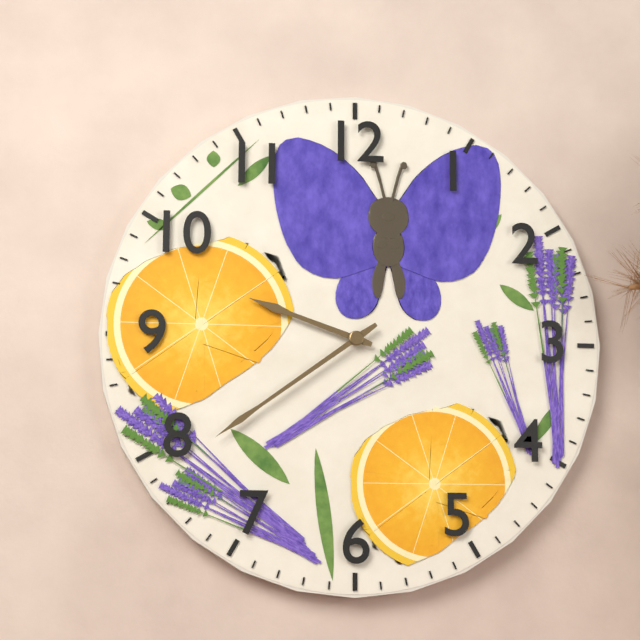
9:39
